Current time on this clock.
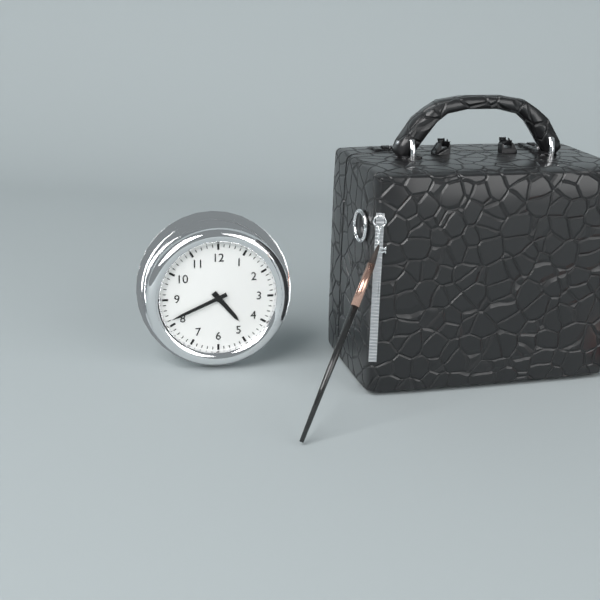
4:41
